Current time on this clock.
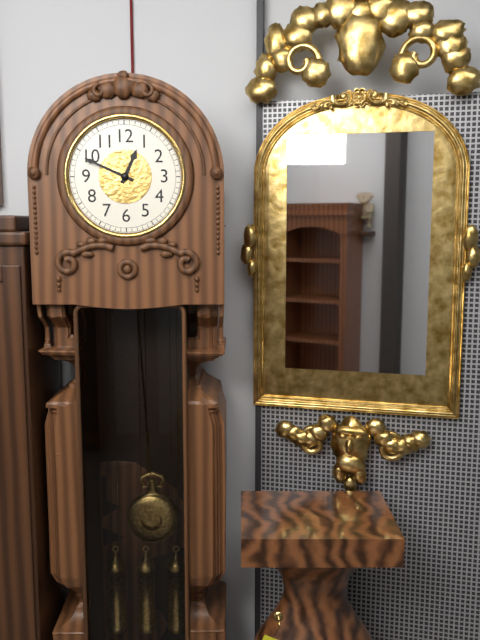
12:49
